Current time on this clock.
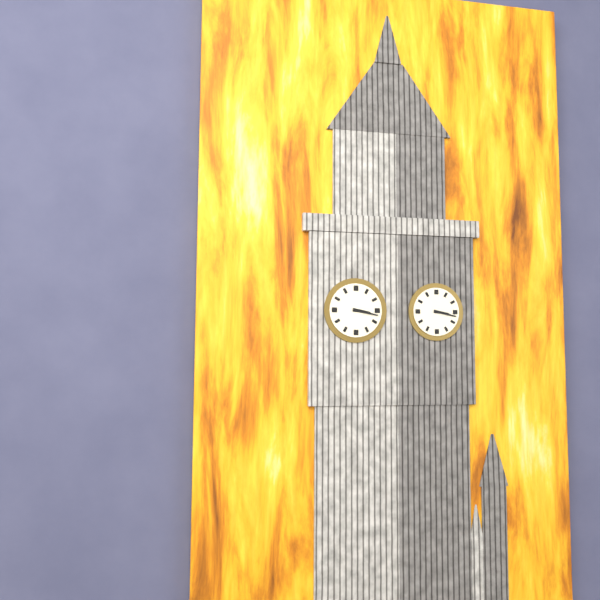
3:17
